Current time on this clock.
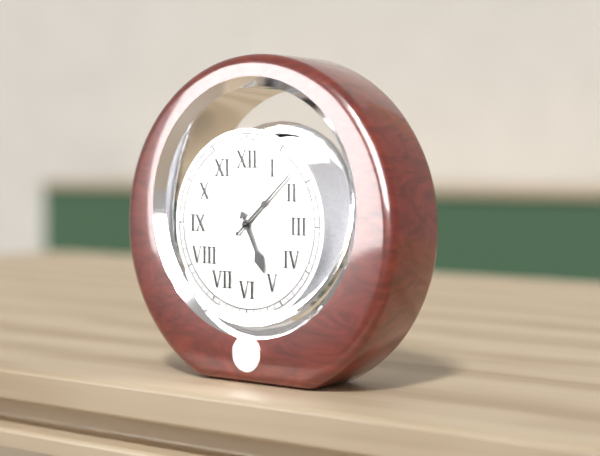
5:08
